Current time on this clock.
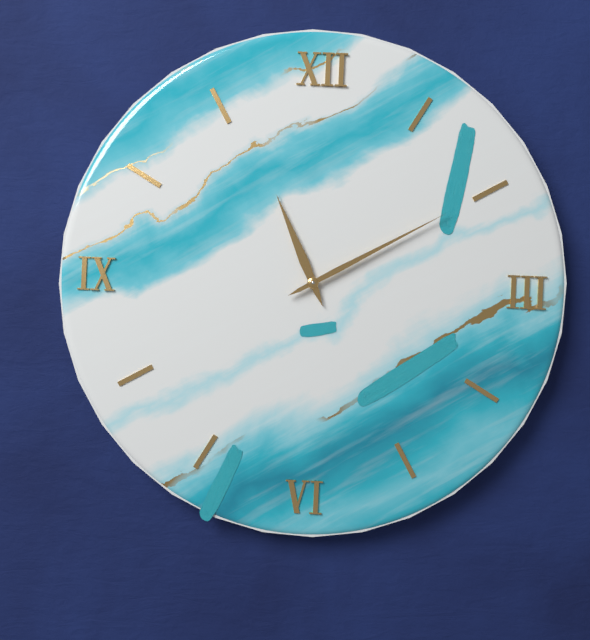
11:10
